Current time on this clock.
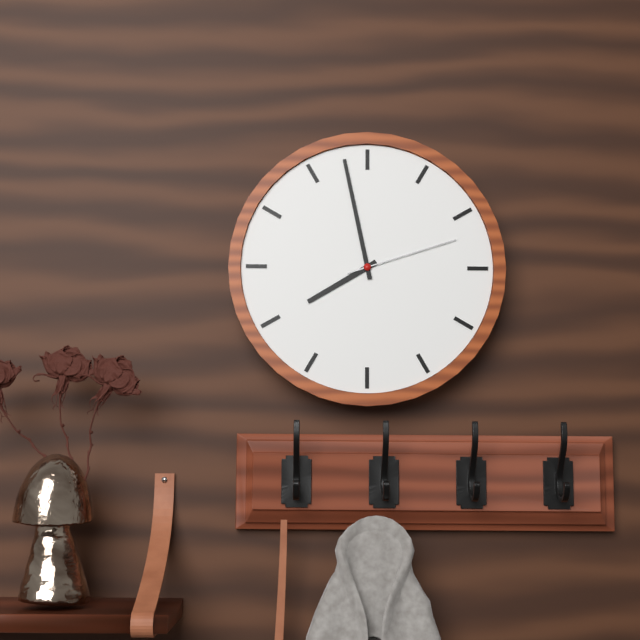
7:58:12
